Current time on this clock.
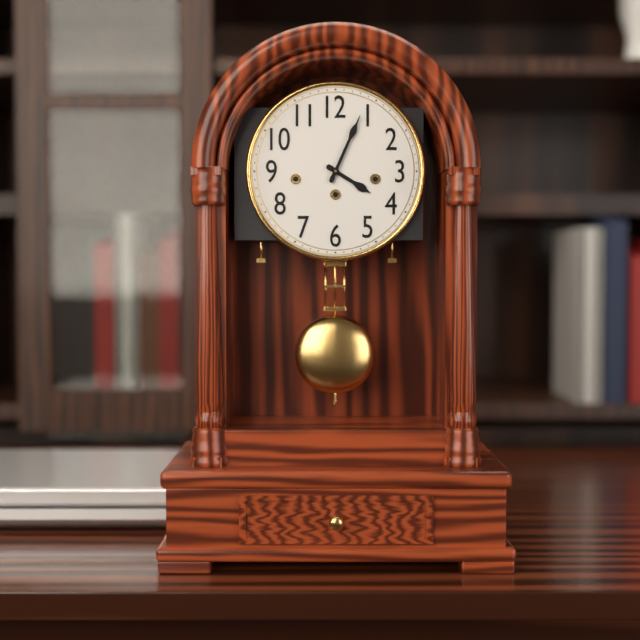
4:04
